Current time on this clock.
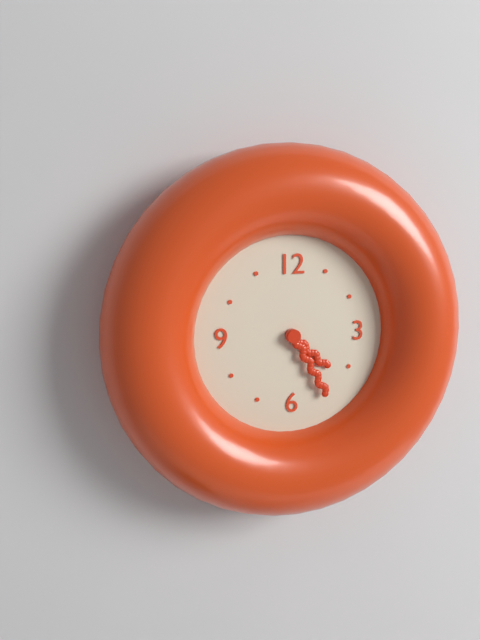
4:25
